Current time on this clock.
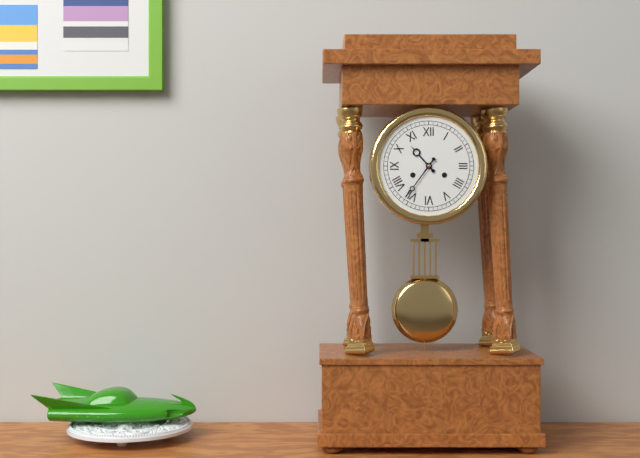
10:36
